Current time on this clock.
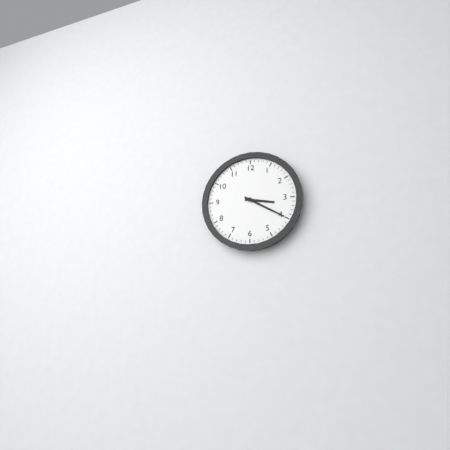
3:20
